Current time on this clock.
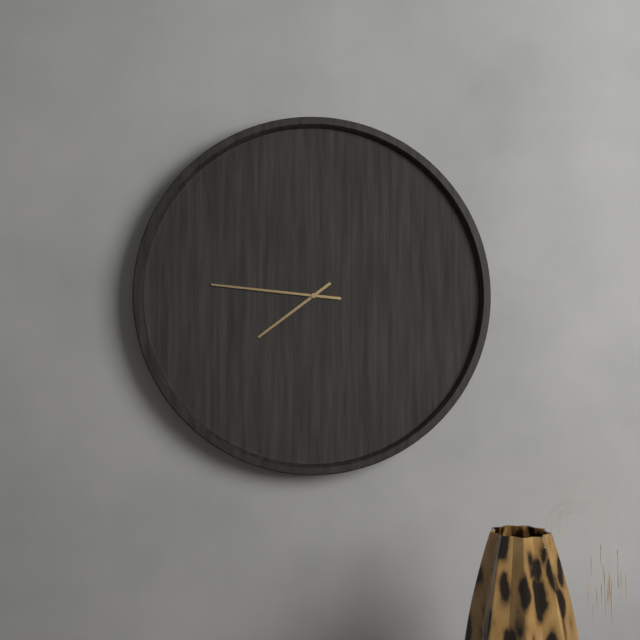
7:46
